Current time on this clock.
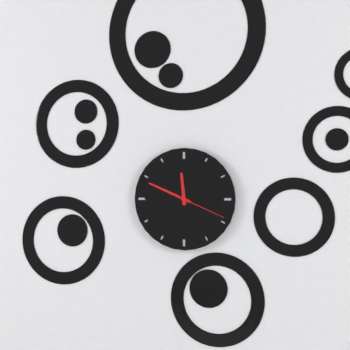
11:49:19
